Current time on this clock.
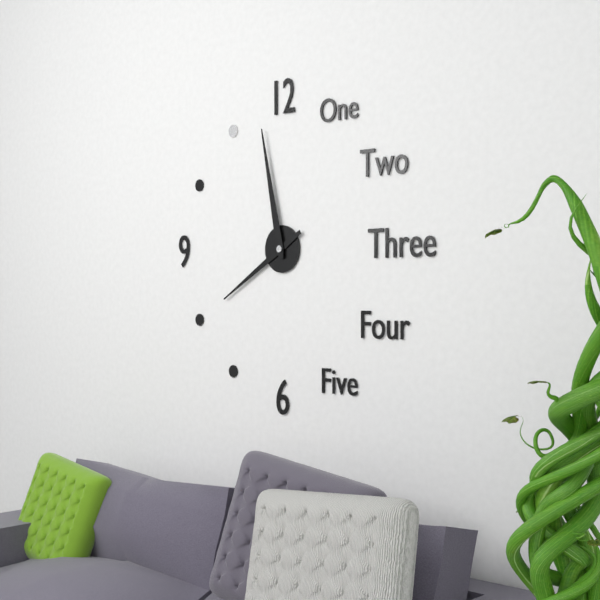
7:58
